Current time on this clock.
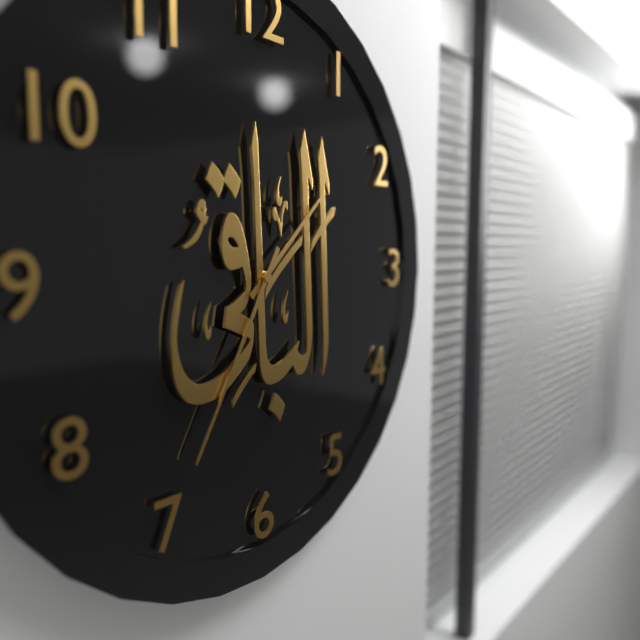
1:35
